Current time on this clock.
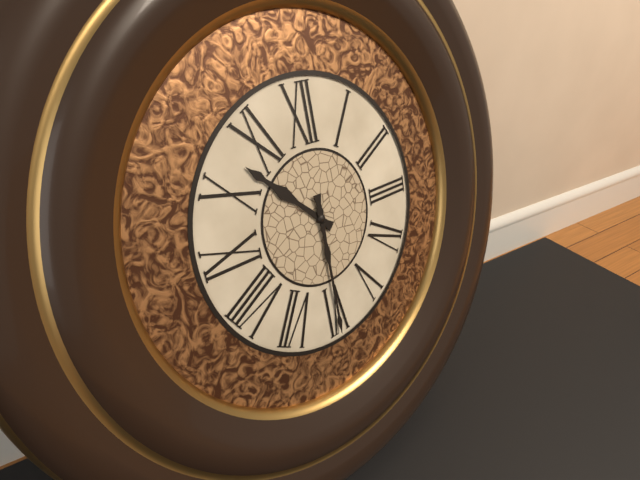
10:30
